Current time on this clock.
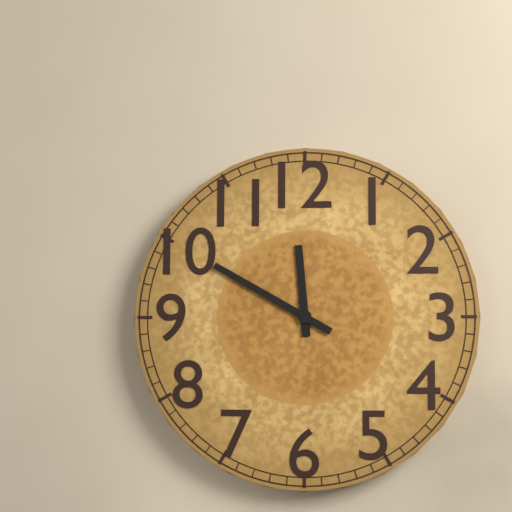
11:50
